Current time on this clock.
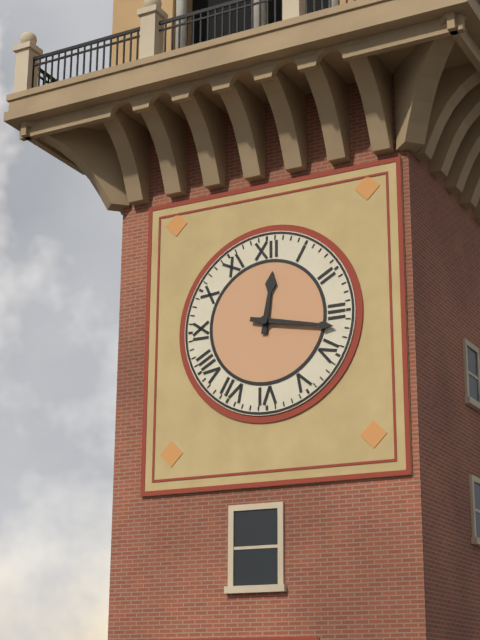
12:17
